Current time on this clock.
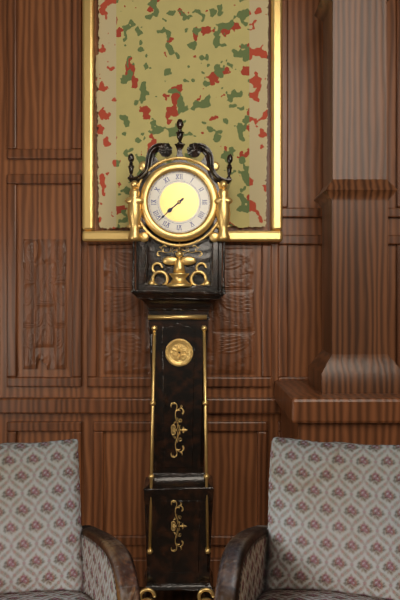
7:38
